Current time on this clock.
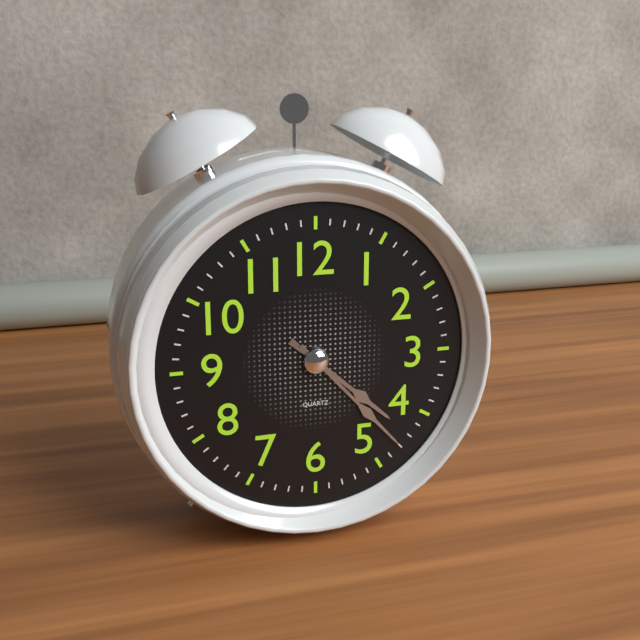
4:23
